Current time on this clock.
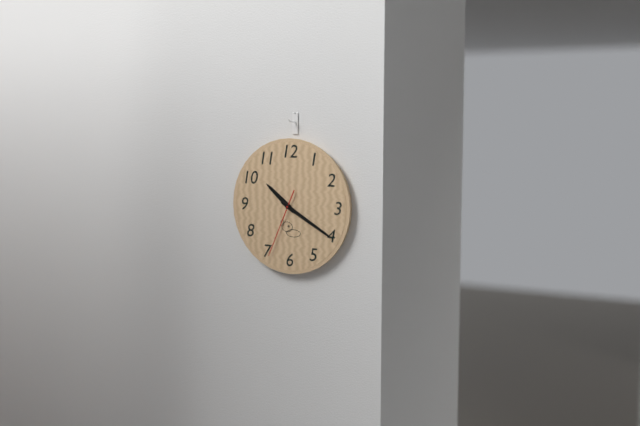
10:20:34
